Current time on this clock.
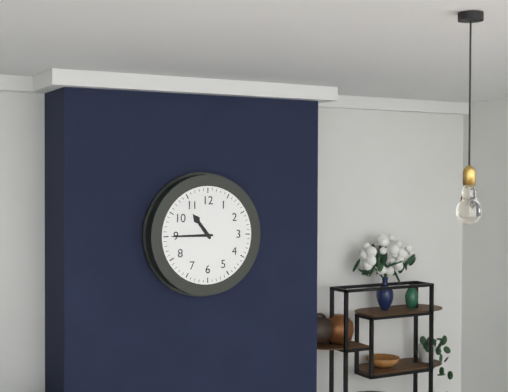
10:45
